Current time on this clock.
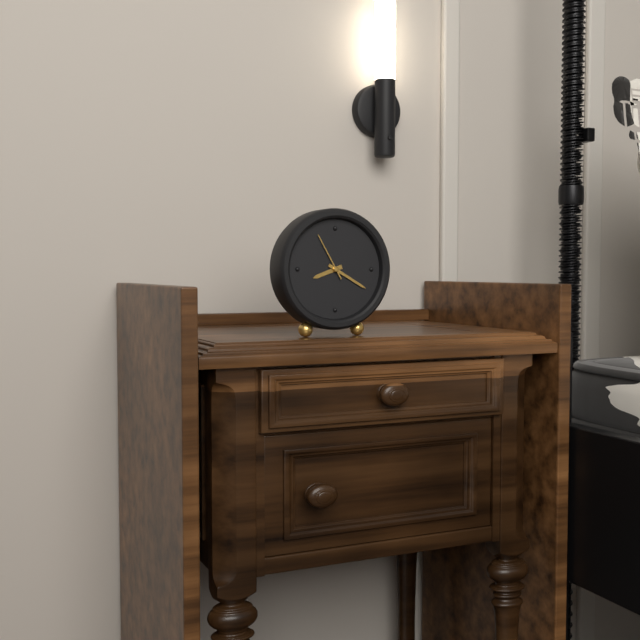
8:20
